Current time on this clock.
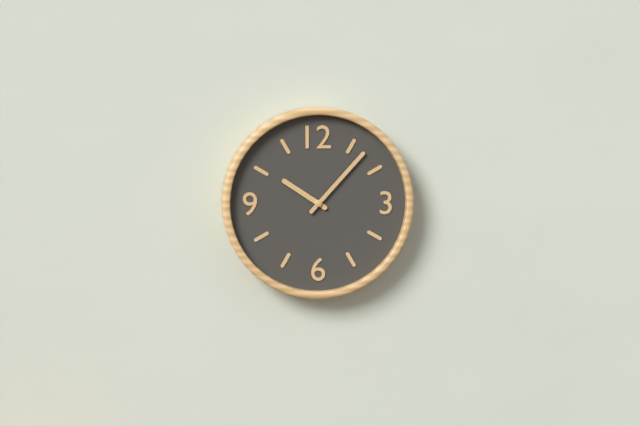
10:07
